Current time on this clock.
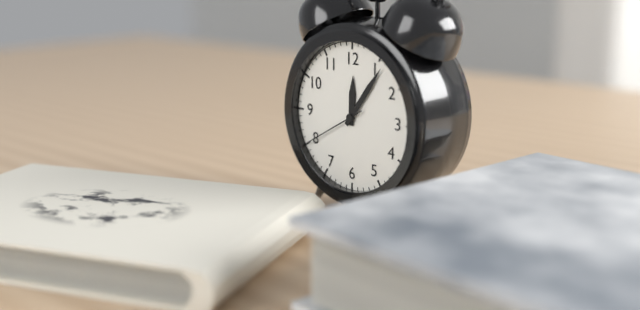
12:06:40
